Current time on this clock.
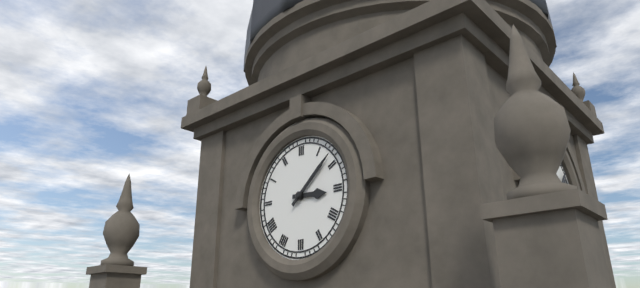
3:08
